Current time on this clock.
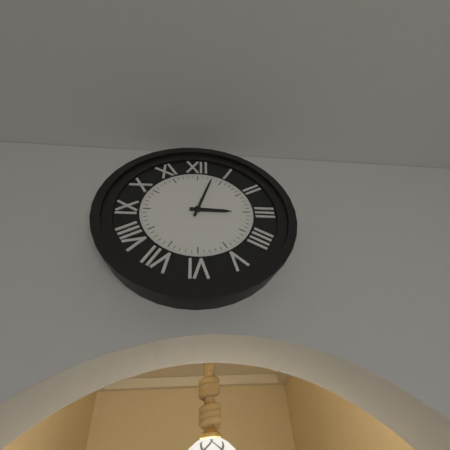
3:03
